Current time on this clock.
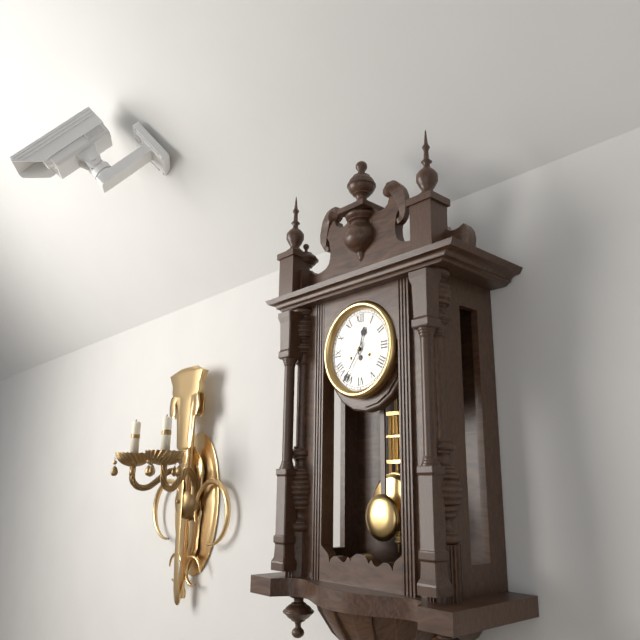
12:36
